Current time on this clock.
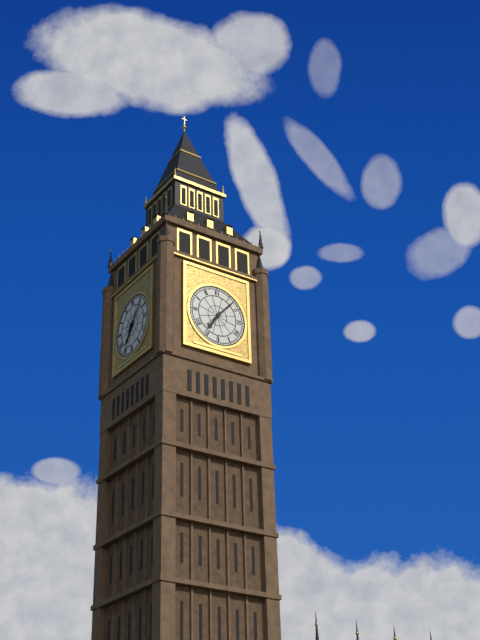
7:07
